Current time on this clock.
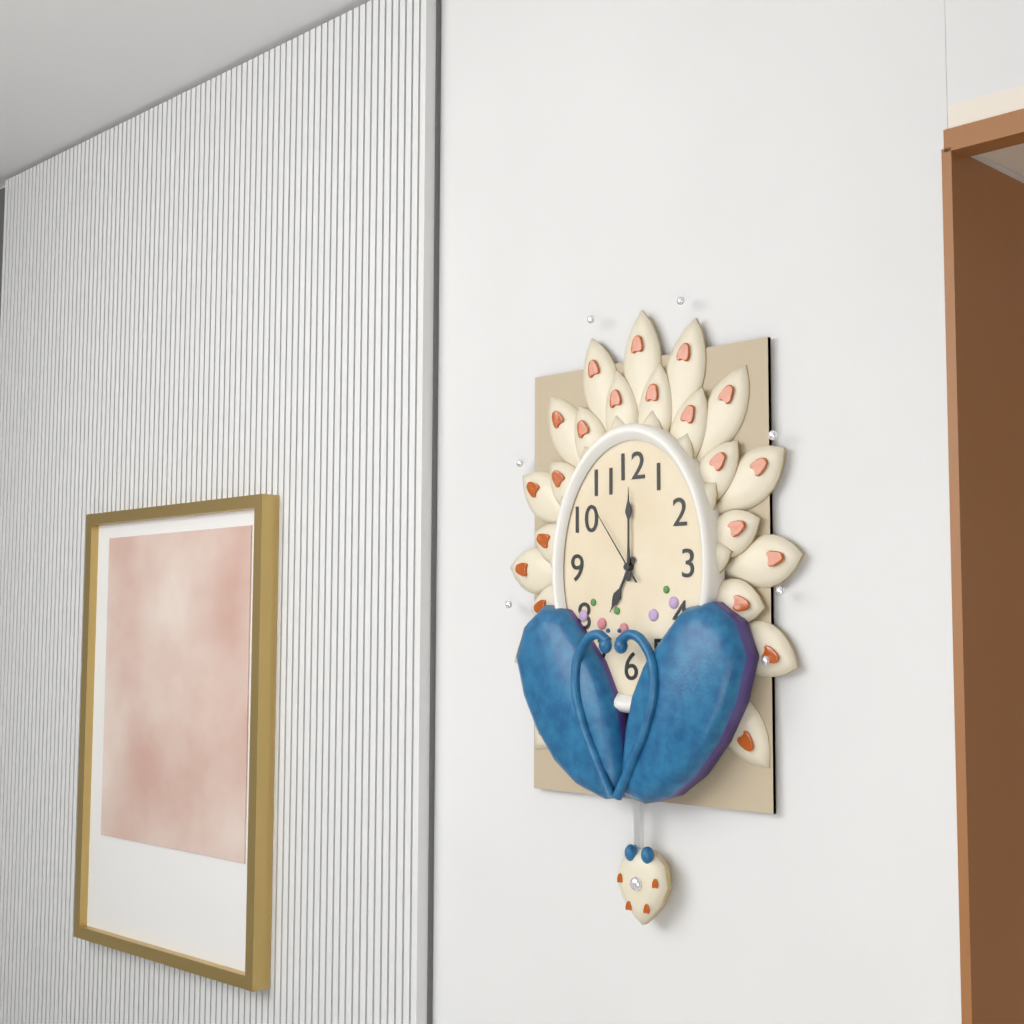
7:00:54
